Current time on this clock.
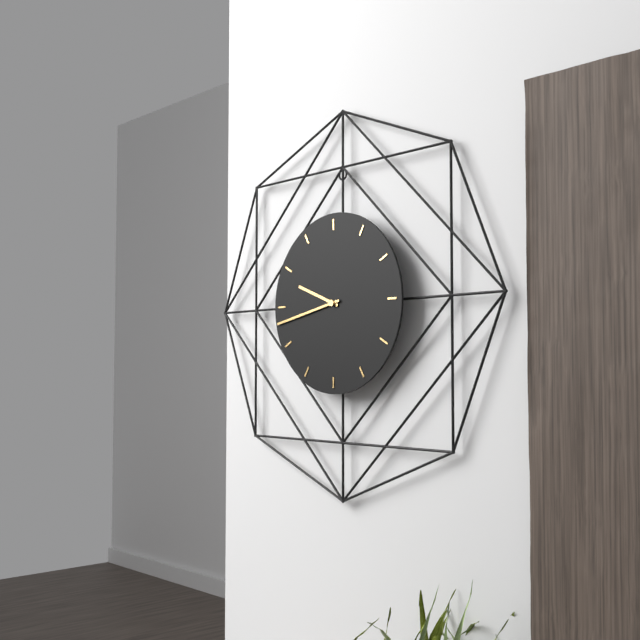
9:43
